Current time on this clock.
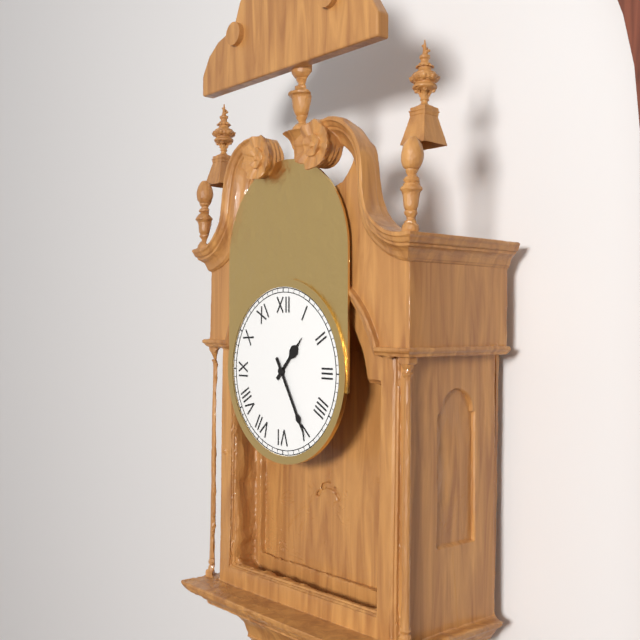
1:25
